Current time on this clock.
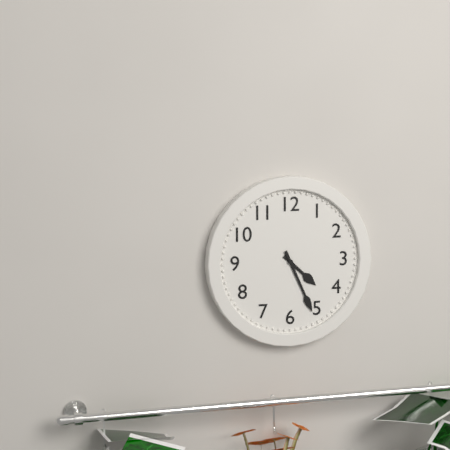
4:26
